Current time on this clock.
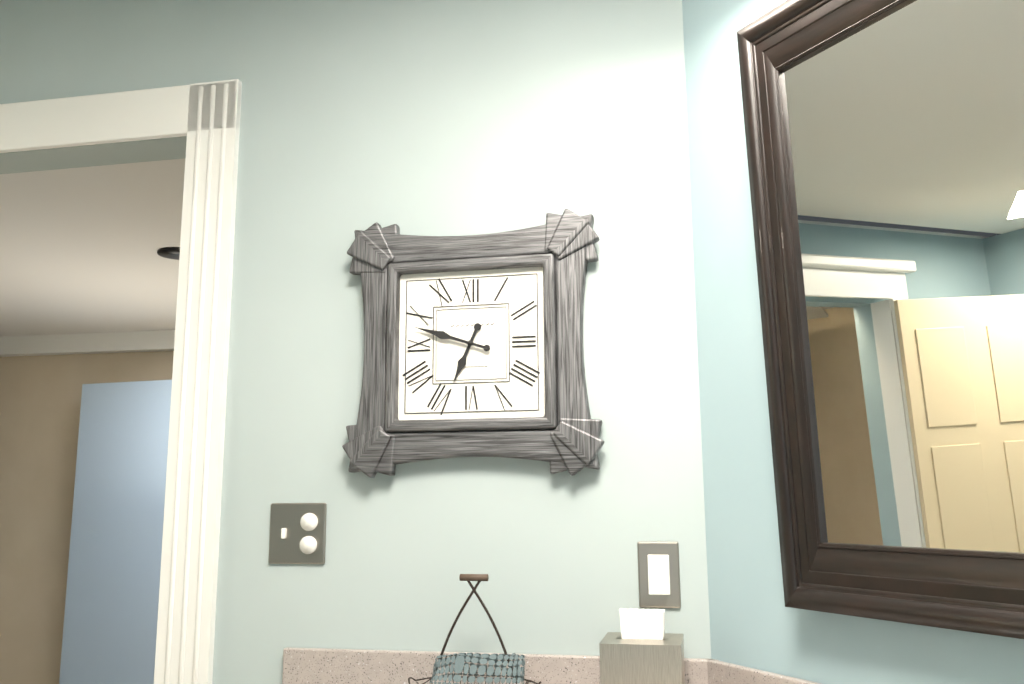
6:48
